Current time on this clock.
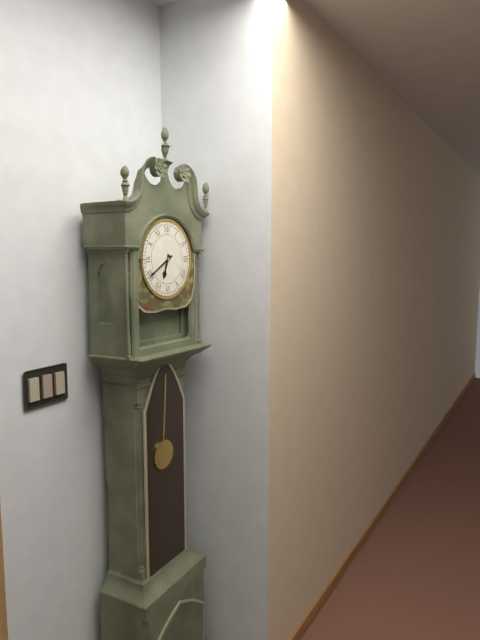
6:40
